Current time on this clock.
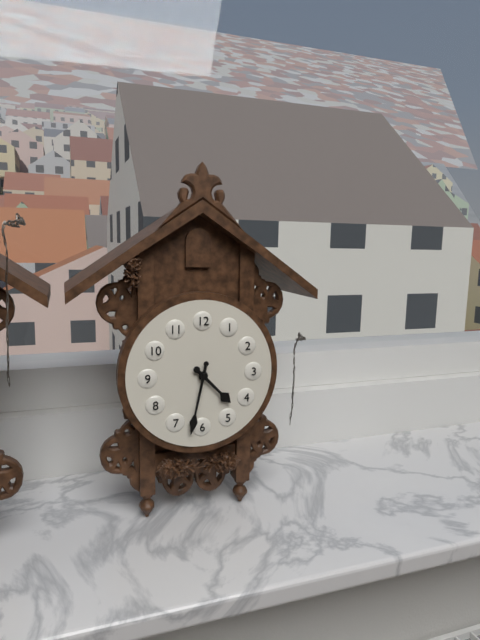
4:32
